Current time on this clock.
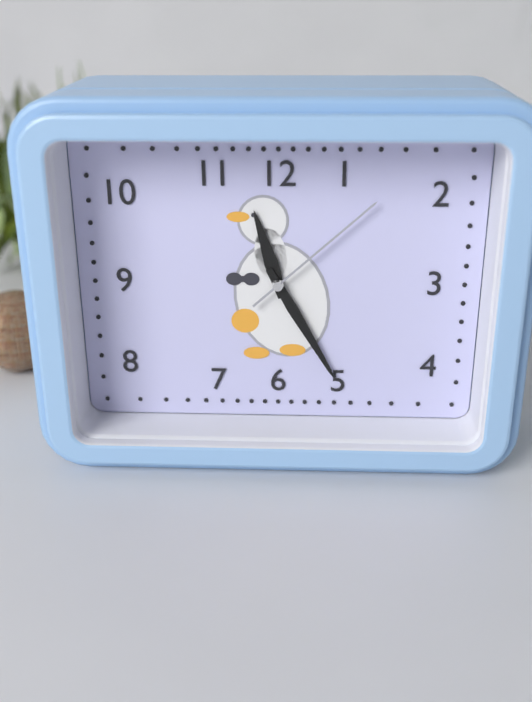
11:25:08
